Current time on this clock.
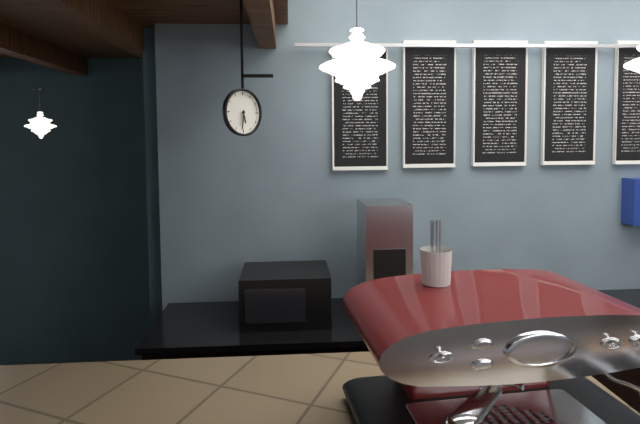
5:31
